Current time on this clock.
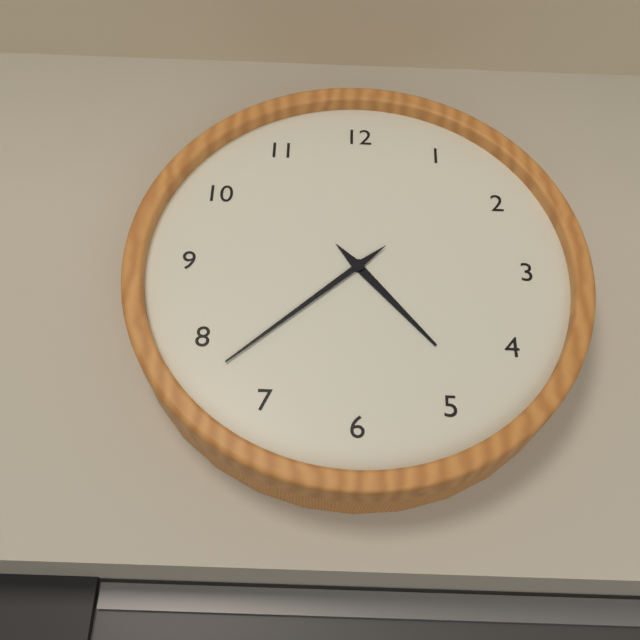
4:38
